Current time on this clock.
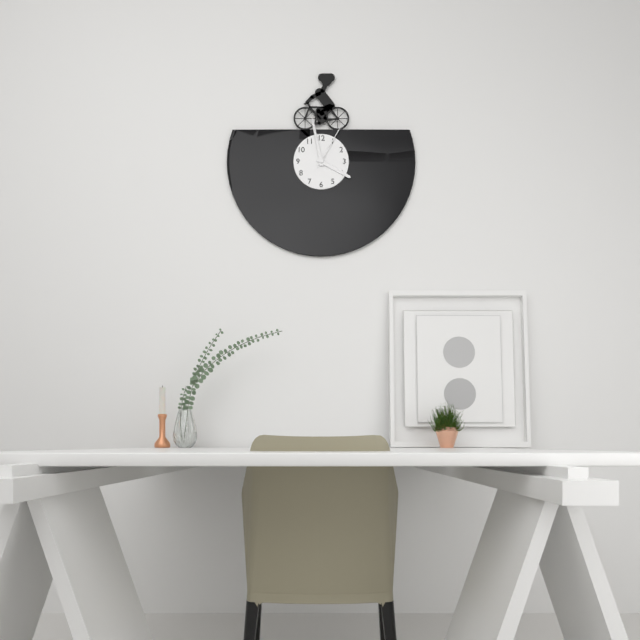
3:58:05
